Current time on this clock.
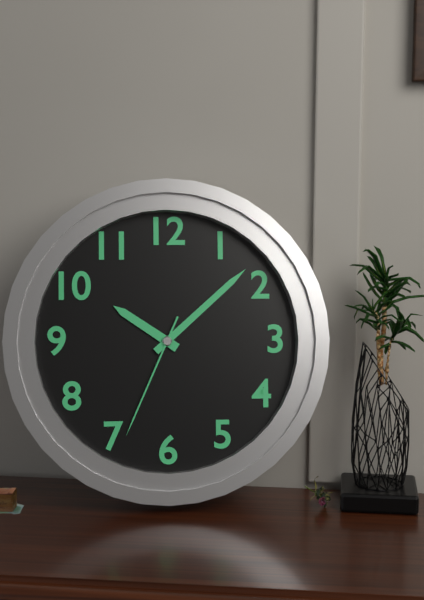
10:08:34
